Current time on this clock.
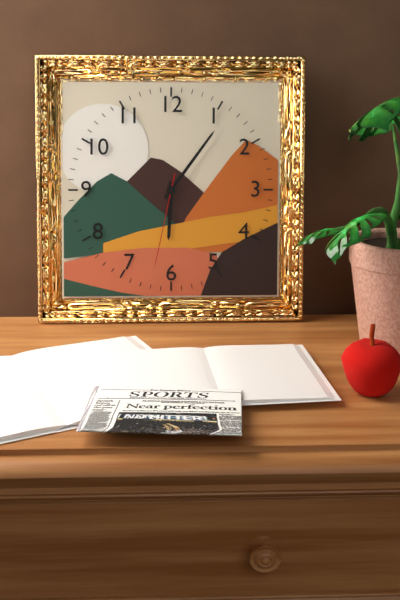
6:06:32
